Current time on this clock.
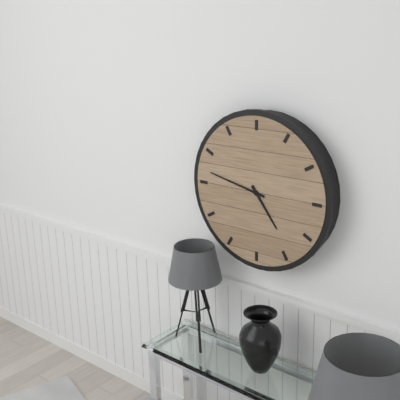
4:47
